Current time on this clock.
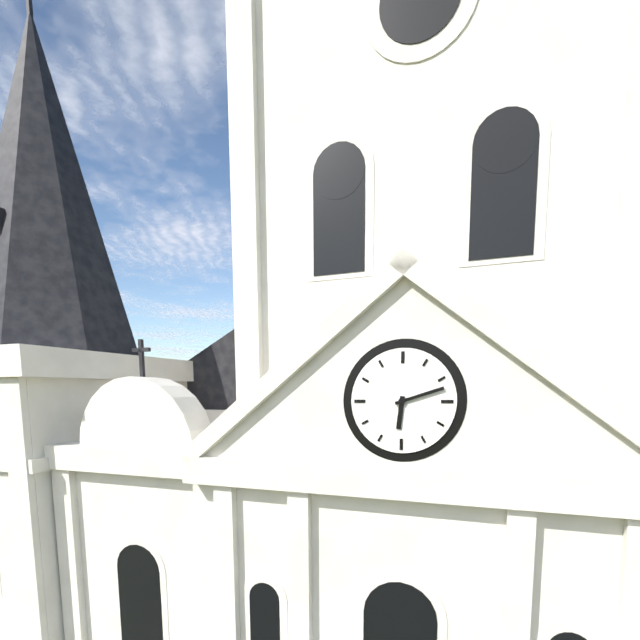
6:12
